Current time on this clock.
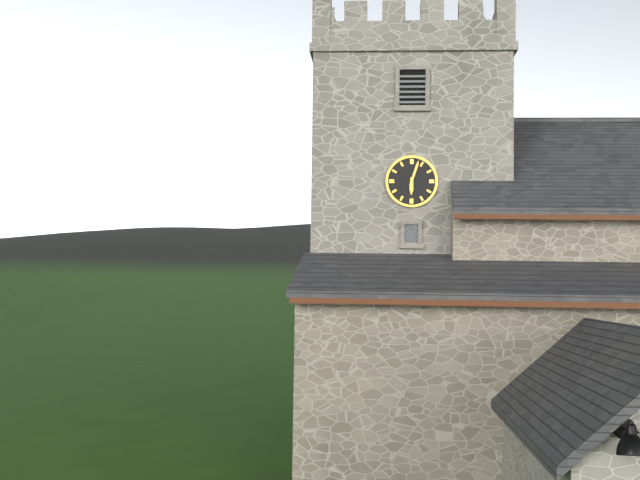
6:03
